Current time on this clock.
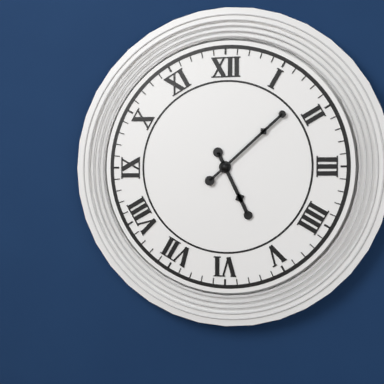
5:08
